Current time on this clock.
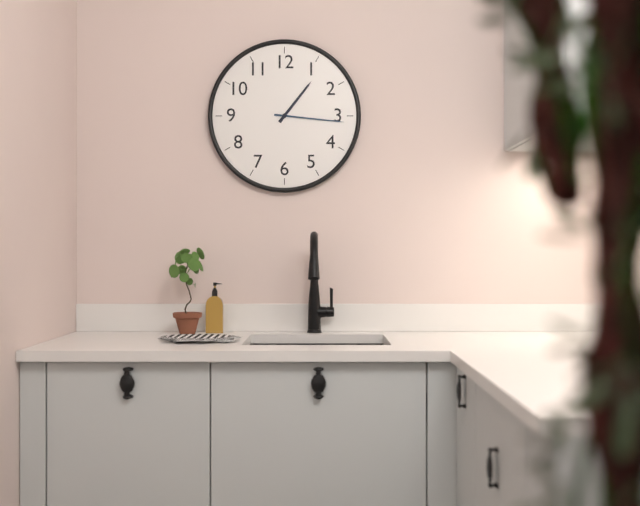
1:16
